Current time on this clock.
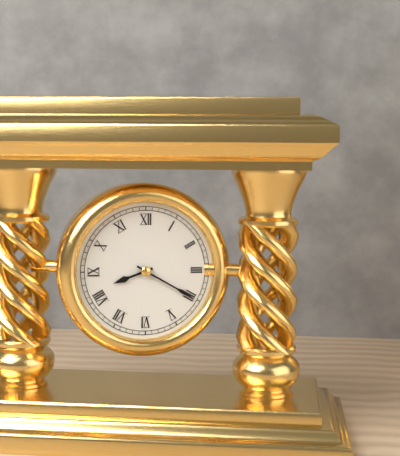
8:20
